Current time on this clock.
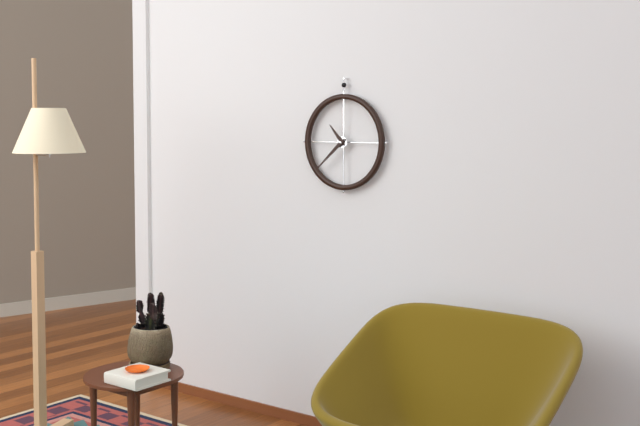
10:38
